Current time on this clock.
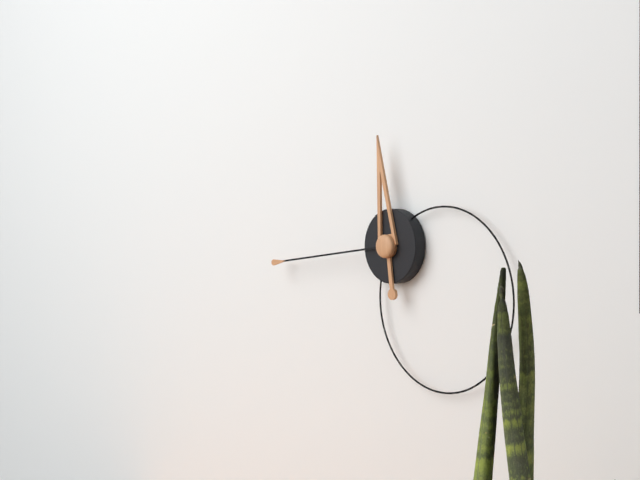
11:44
